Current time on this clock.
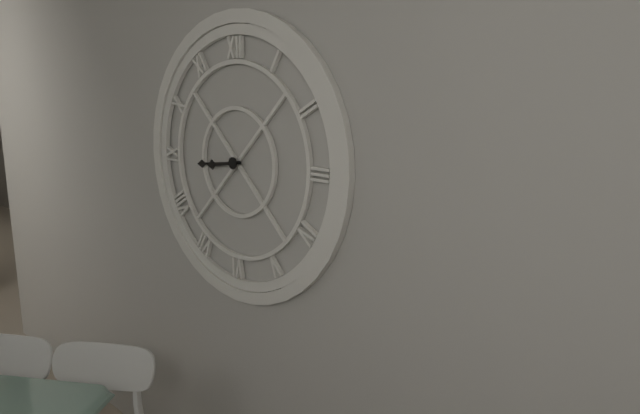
8:44
